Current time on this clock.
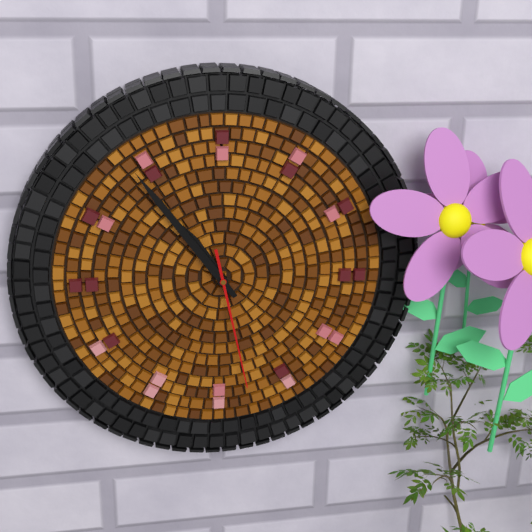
10:54:28
